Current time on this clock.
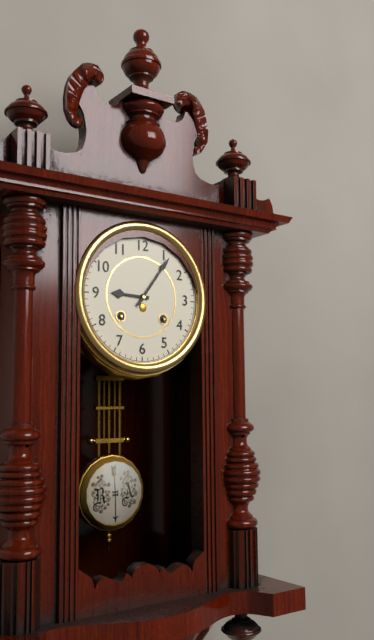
9:06
